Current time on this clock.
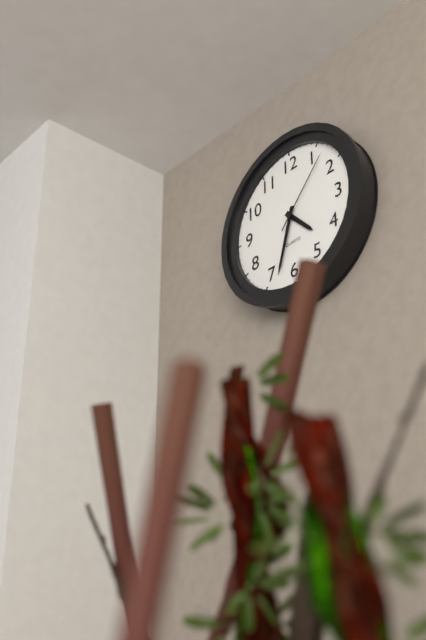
4:33:07
